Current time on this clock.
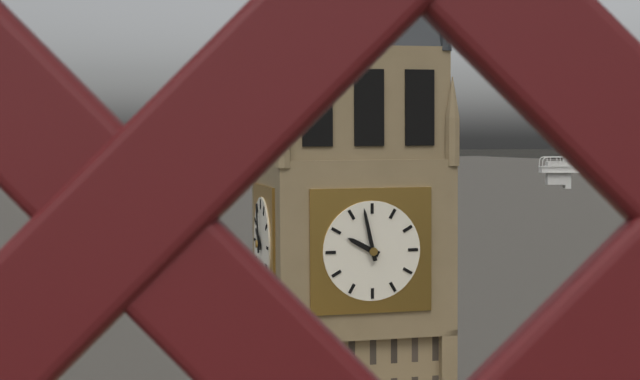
9:58
